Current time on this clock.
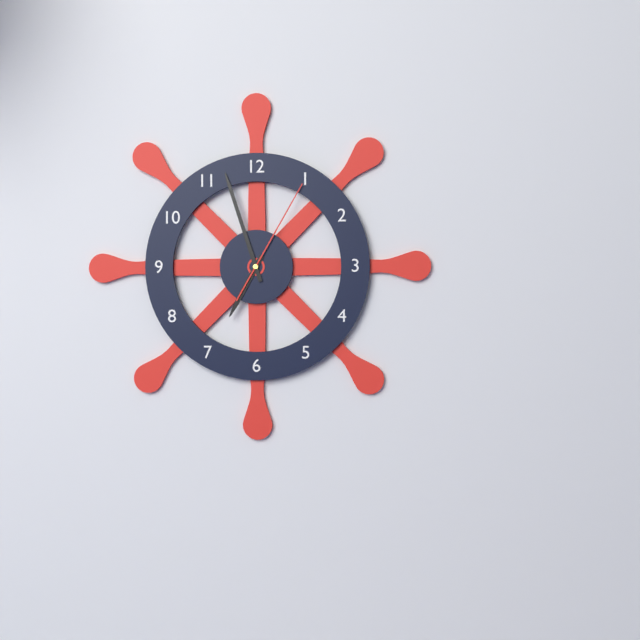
6:57:05
